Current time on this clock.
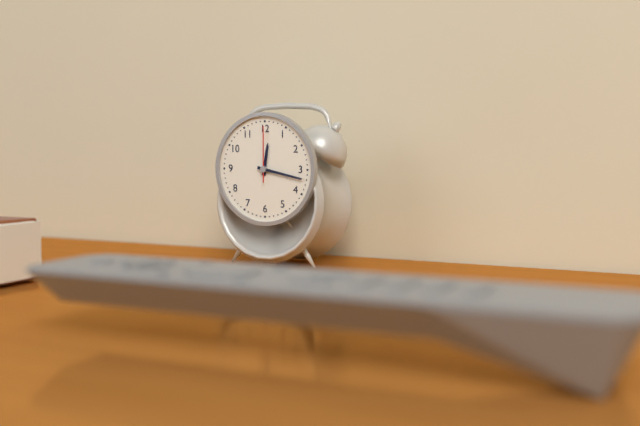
12:17:00
